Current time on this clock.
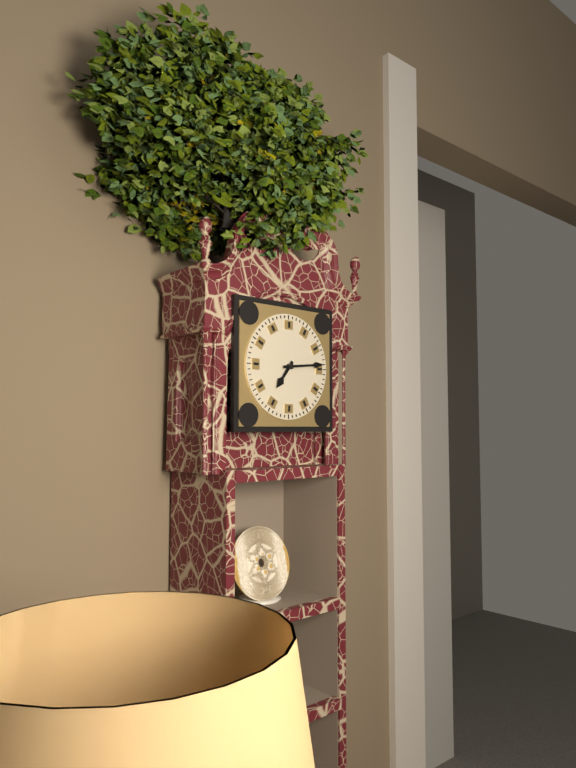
7:14
